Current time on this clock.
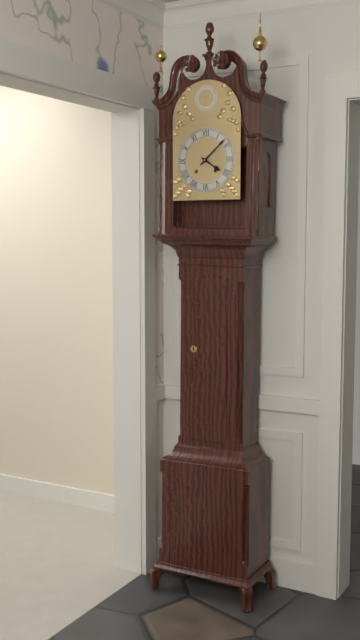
4:08
